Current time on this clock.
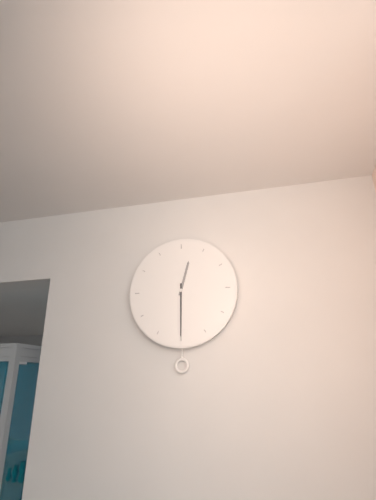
12:30
